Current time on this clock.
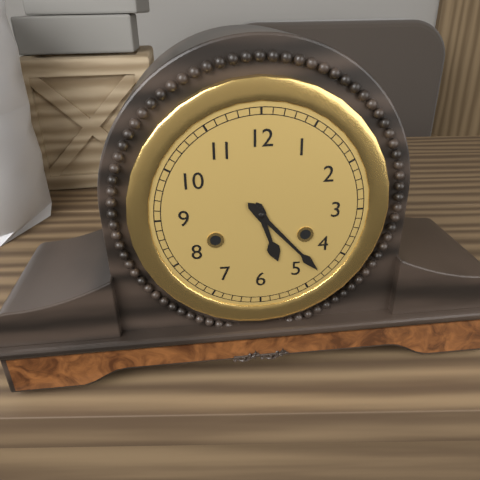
5:23
